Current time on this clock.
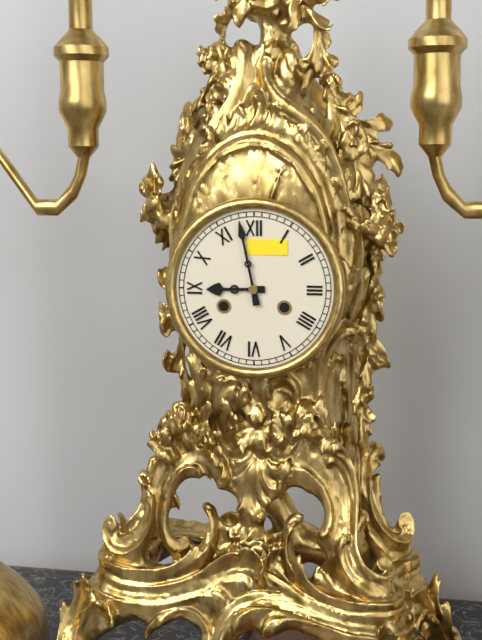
8:58
